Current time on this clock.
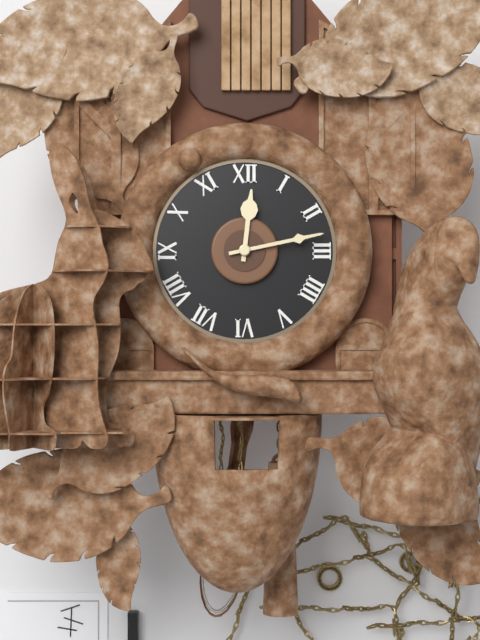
12:13
